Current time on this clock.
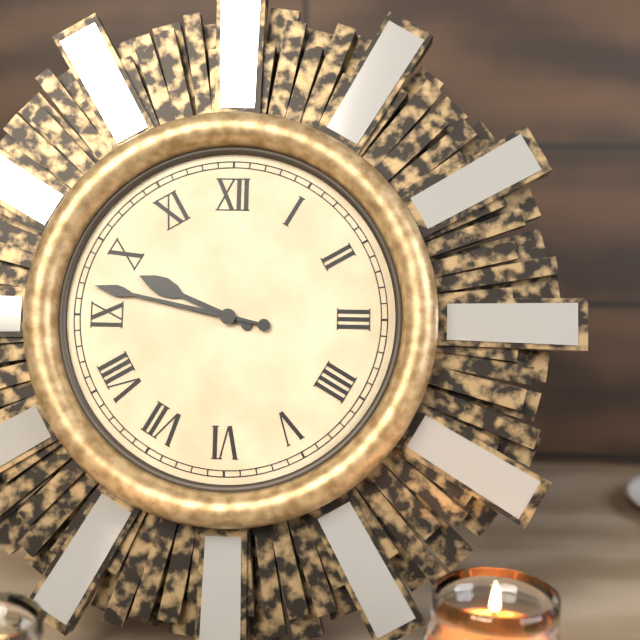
9:47
